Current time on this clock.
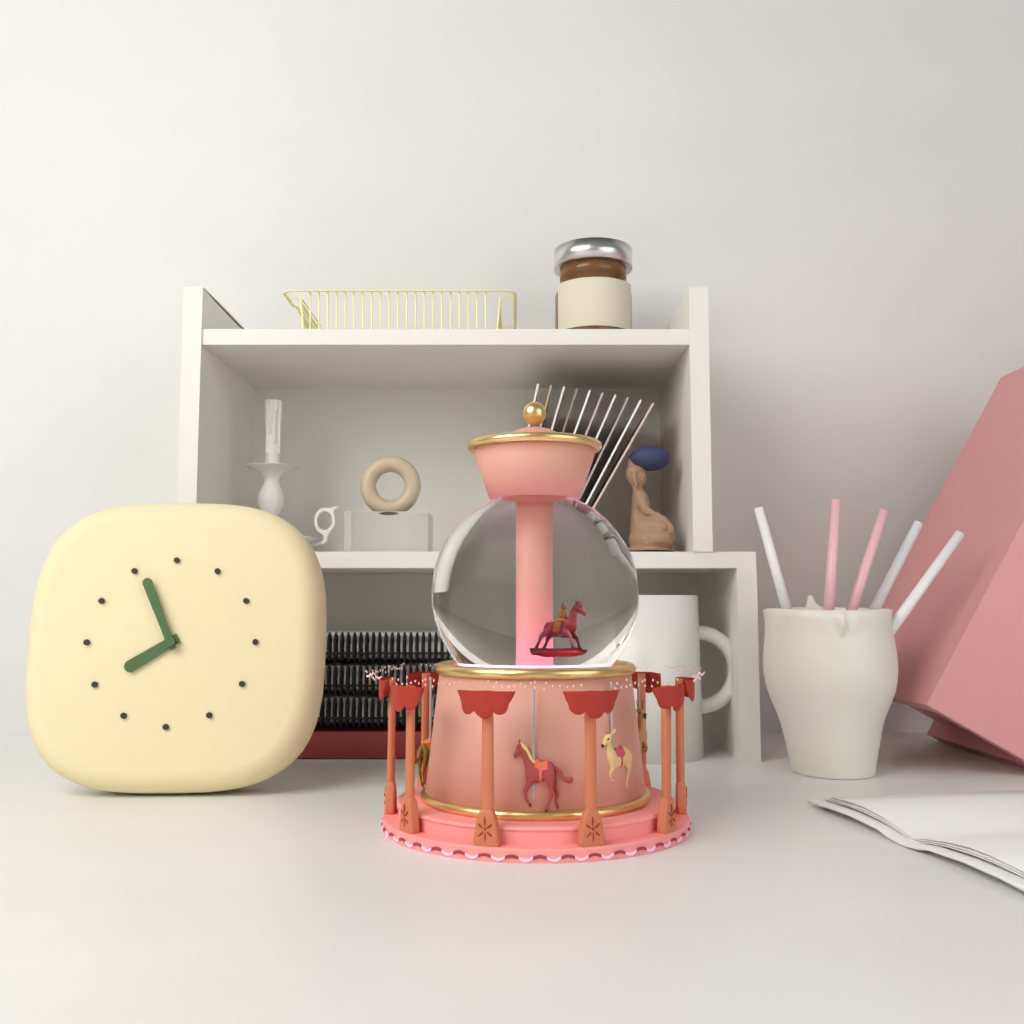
7:56
